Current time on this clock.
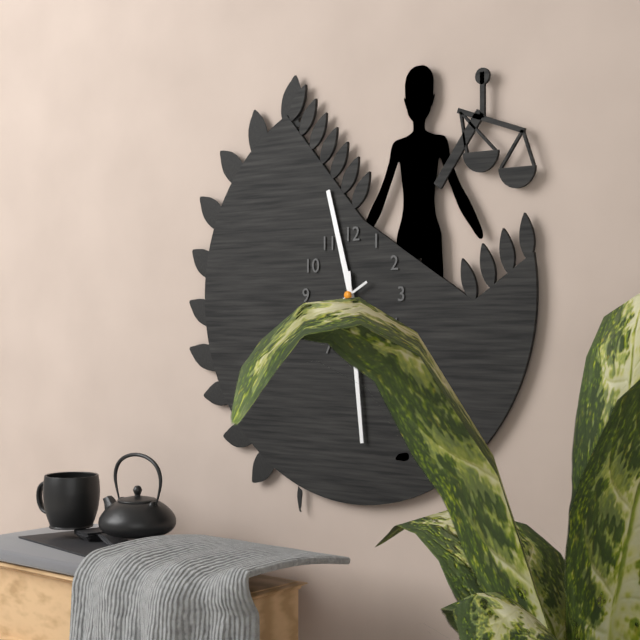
11:29
